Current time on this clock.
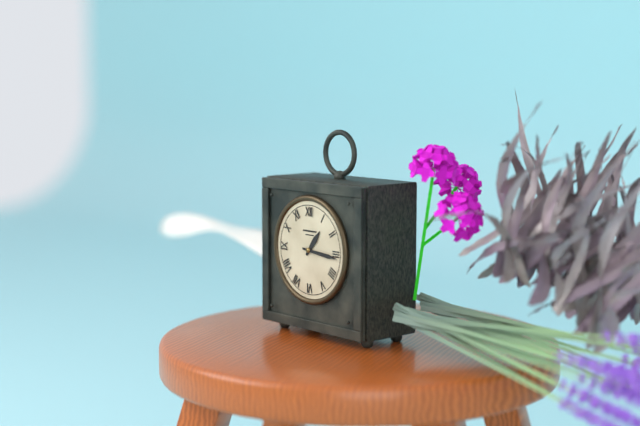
1:16
